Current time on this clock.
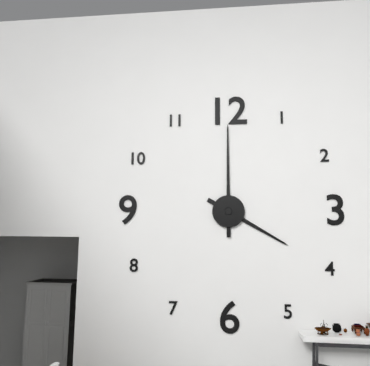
4:00
